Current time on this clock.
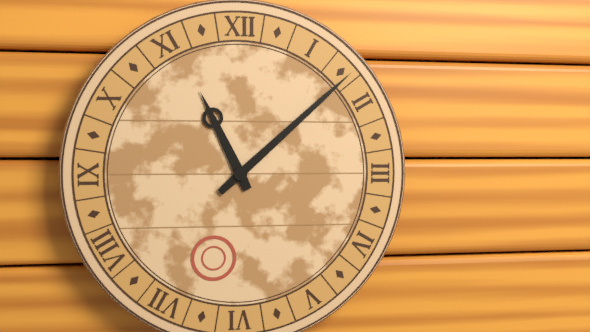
11:08
